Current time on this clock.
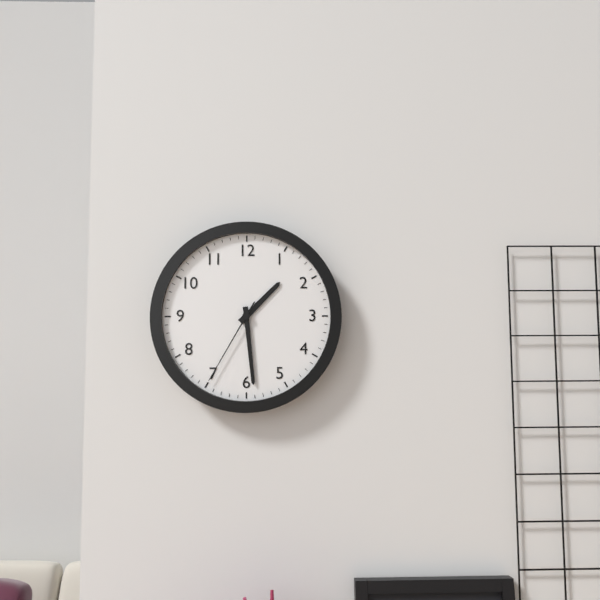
1:29:35
